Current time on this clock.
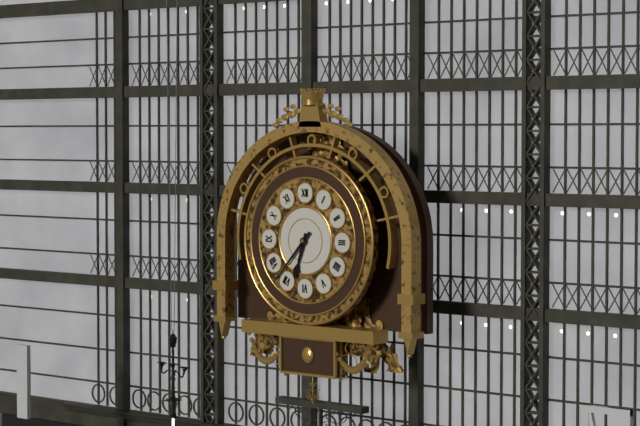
6:37
